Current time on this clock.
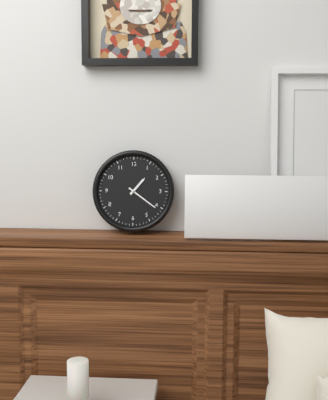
1:21
